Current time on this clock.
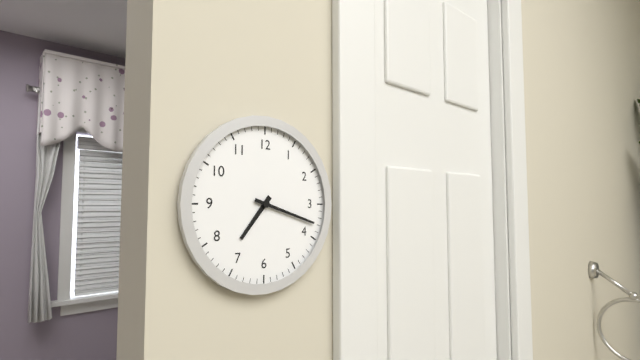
7:18
